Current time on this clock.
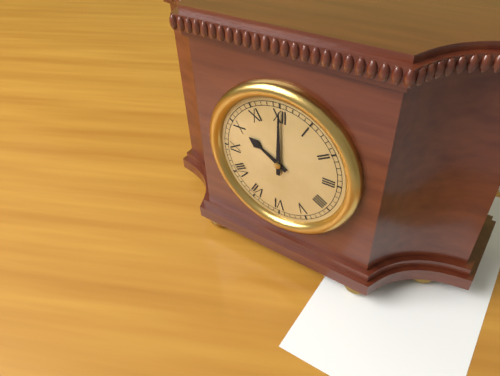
10:00
